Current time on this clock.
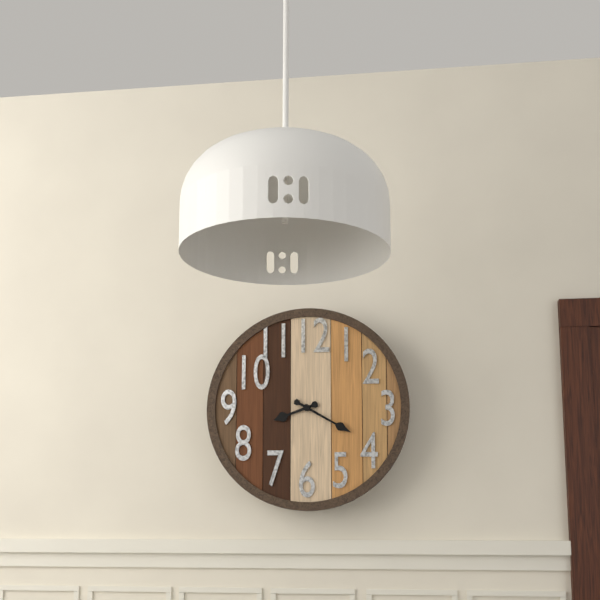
8:20
